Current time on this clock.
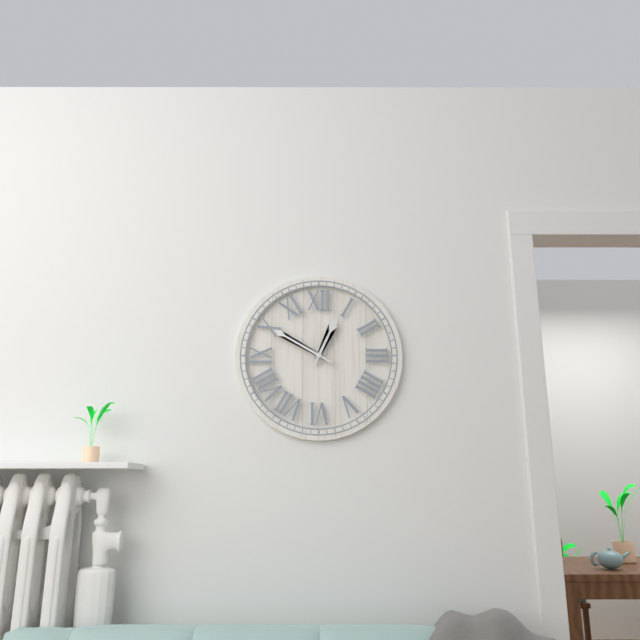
12:50
